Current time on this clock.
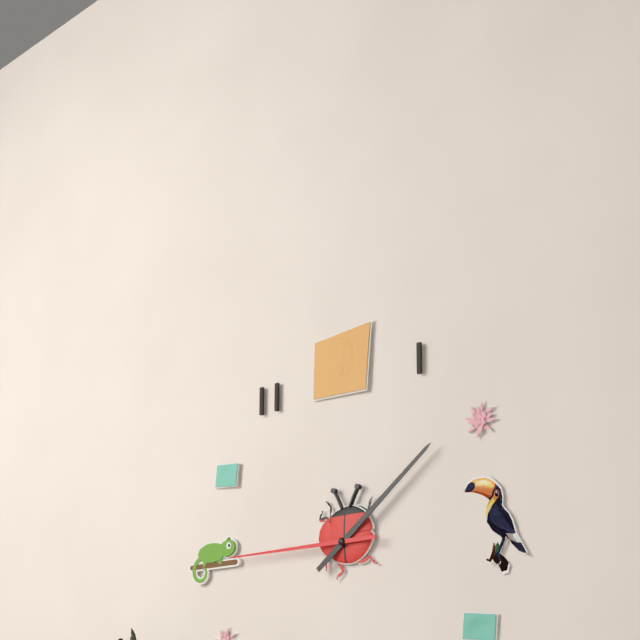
1:45
